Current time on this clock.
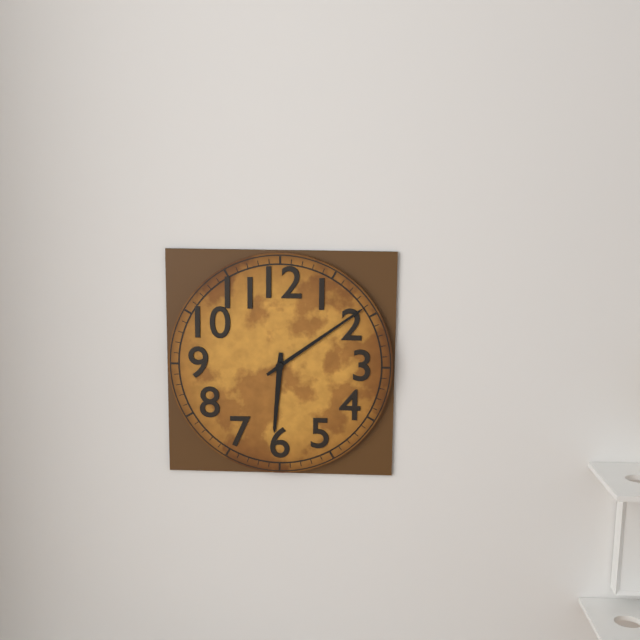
6:09
